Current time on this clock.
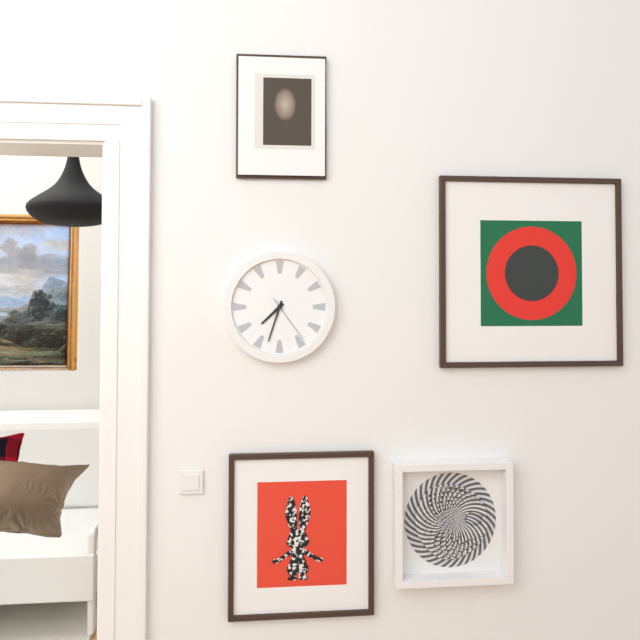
7:33:24
